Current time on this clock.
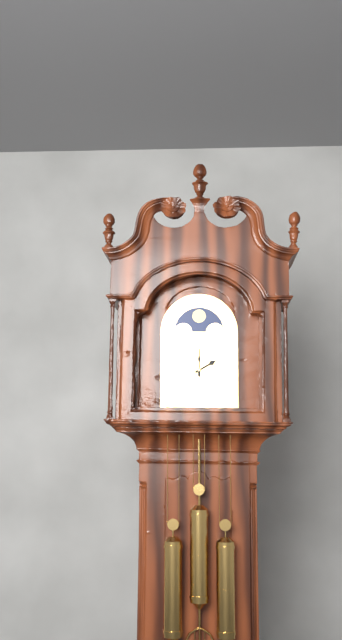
2:00
